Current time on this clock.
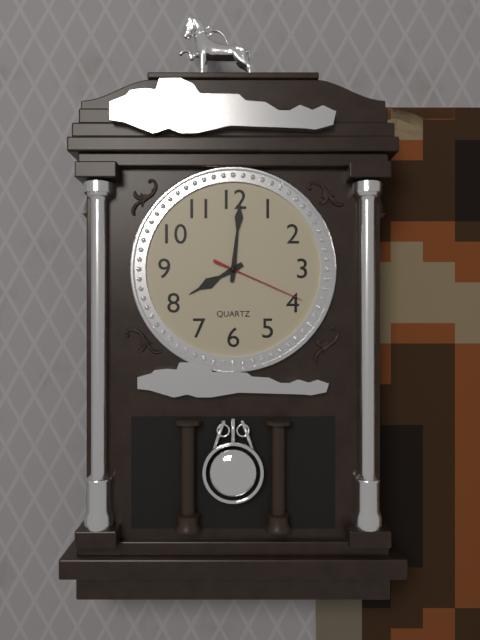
8:01:19
